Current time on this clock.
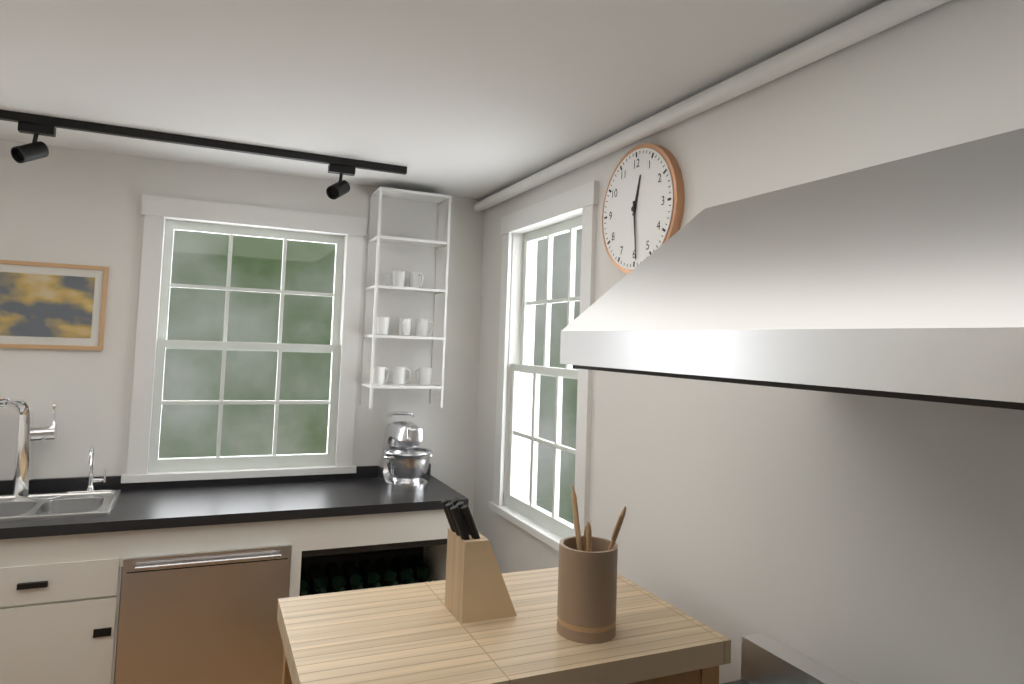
12:29
